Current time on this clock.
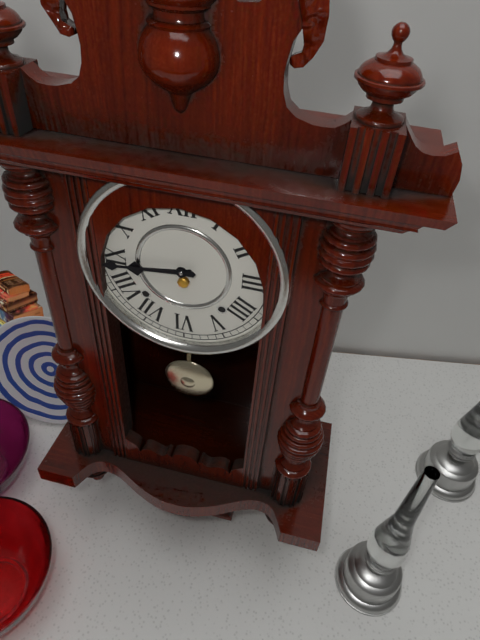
8:44
